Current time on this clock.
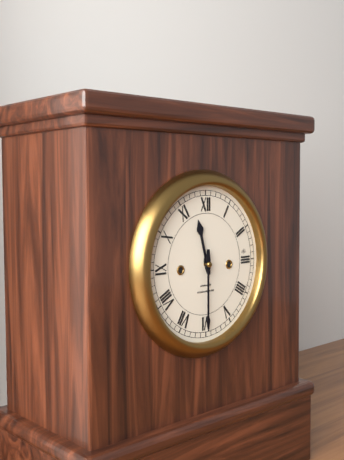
11:30
